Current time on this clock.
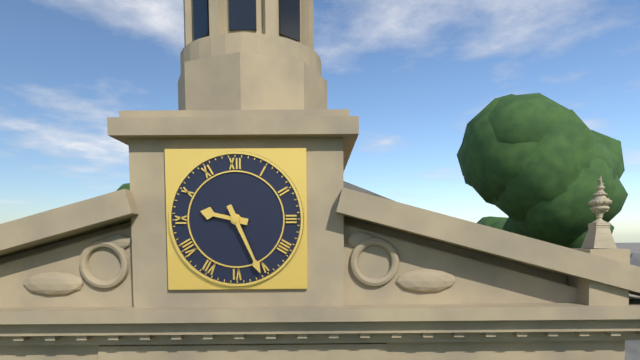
9:26
